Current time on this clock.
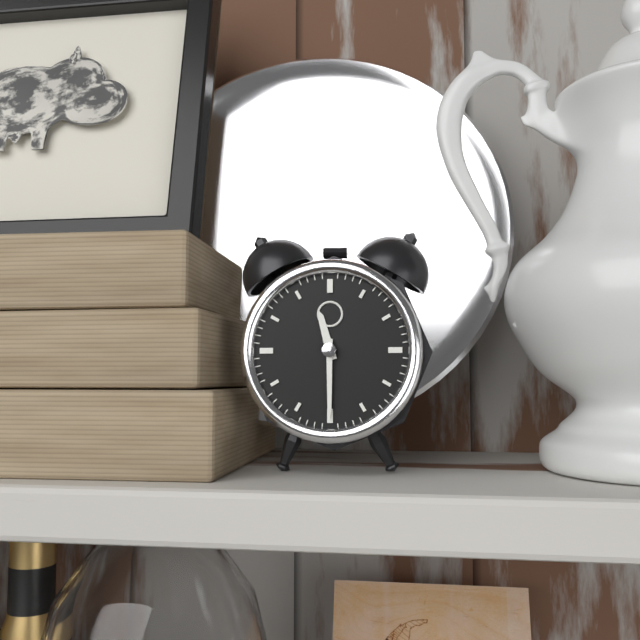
11:30
